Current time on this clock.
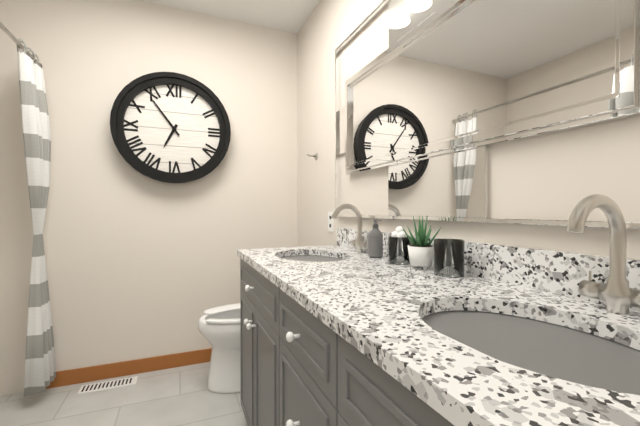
6:54
